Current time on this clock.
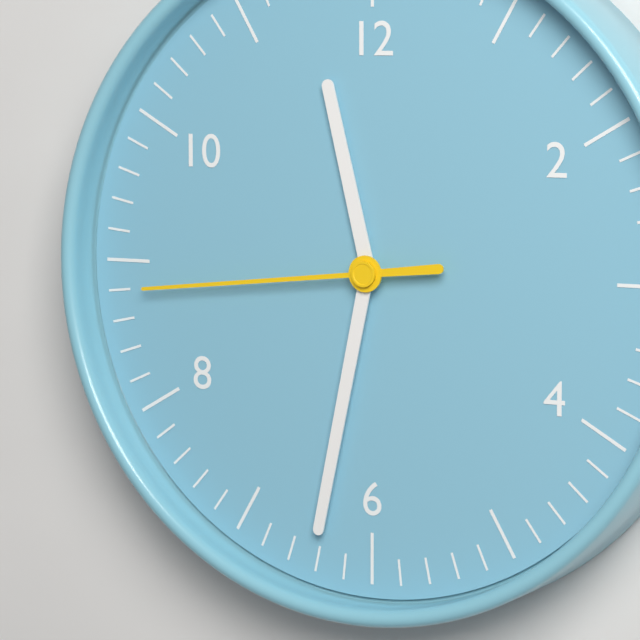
11:32:44
